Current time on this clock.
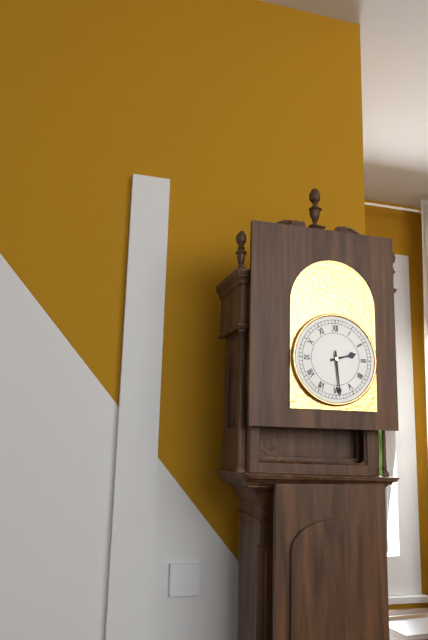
2:29
